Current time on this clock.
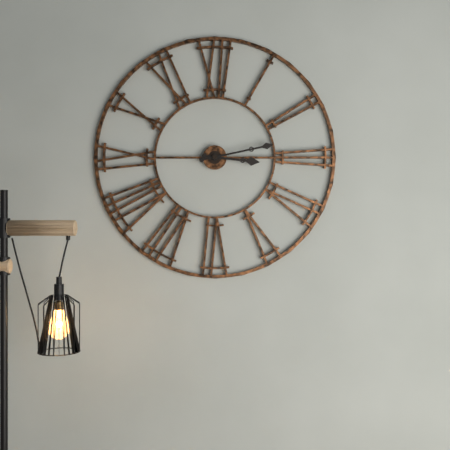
3:13
